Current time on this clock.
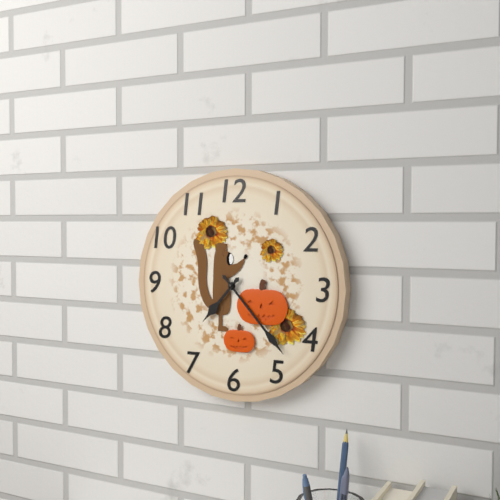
7:23
